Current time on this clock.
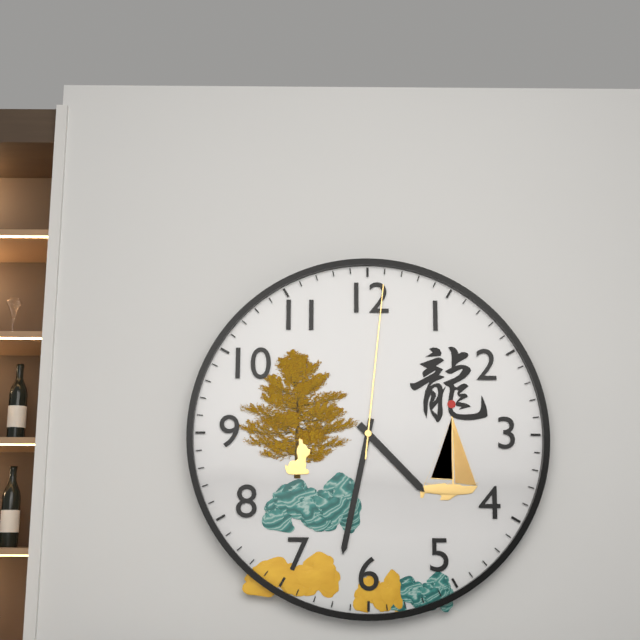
4:32:01
